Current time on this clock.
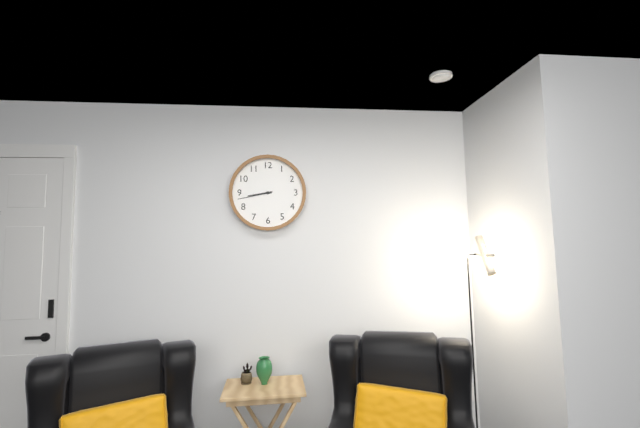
8:43
